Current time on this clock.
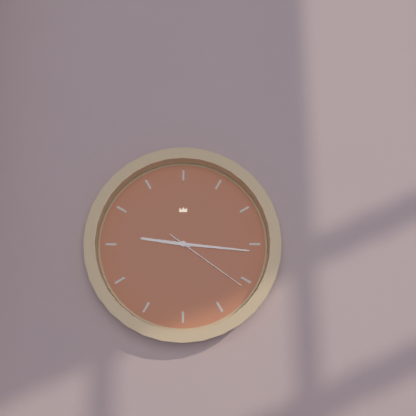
9:16:21
